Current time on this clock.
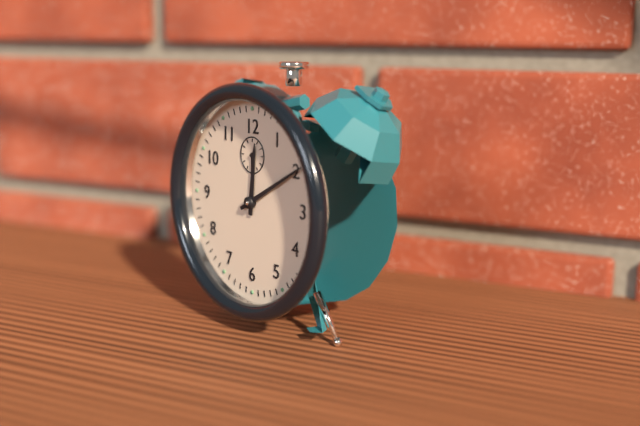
12:10
